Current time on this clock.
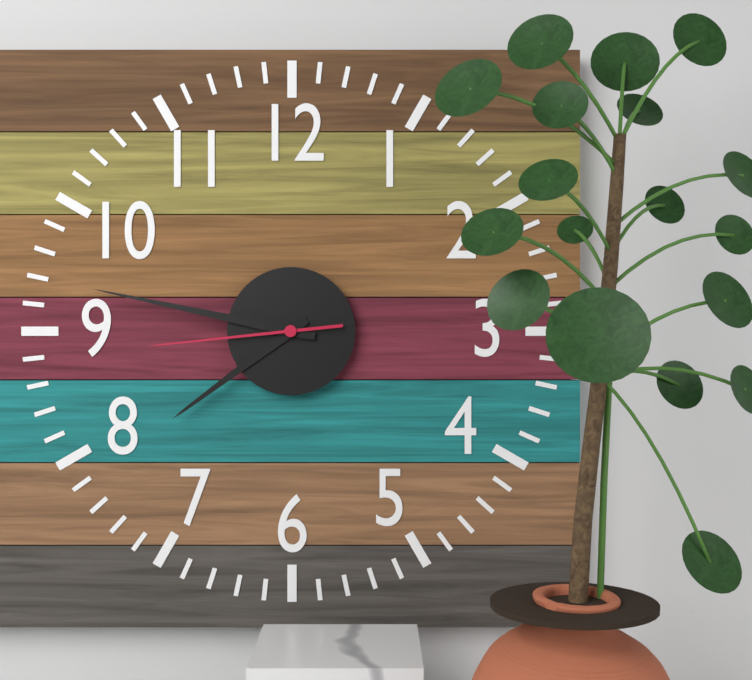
7:47:44
